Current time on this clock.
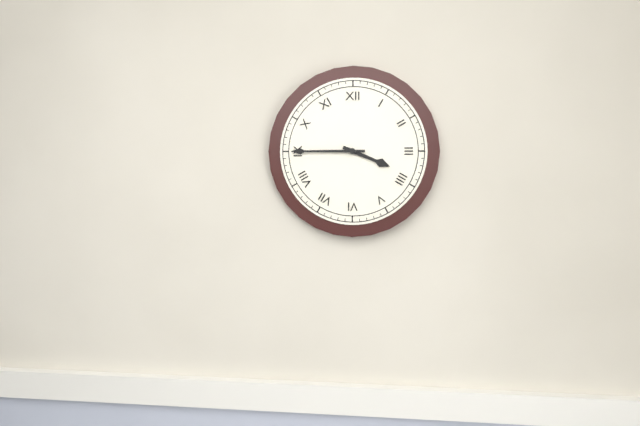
3:45
